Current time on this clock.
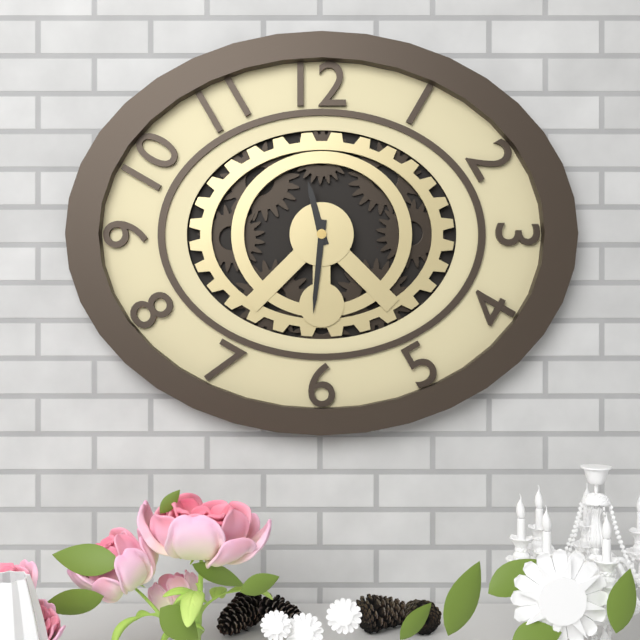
11:31
